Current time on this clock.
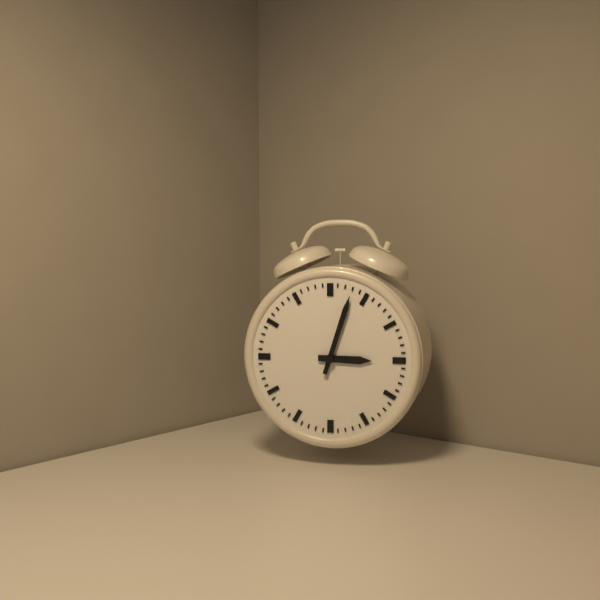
3:03
